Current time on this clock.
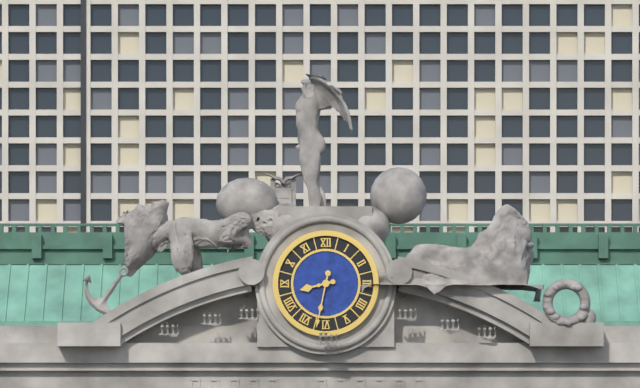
8:32
